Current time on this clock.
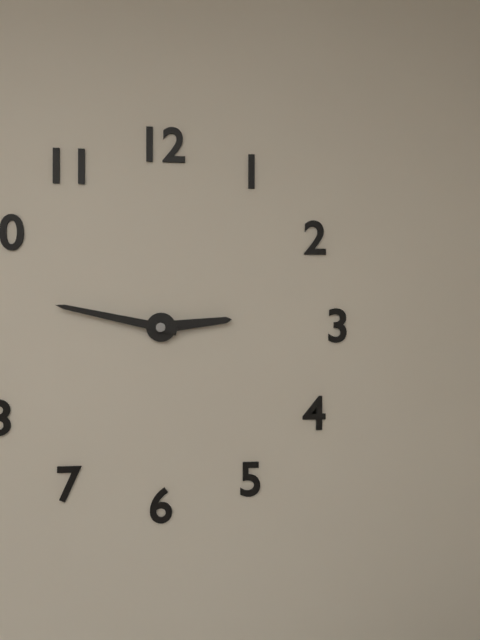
2:47
